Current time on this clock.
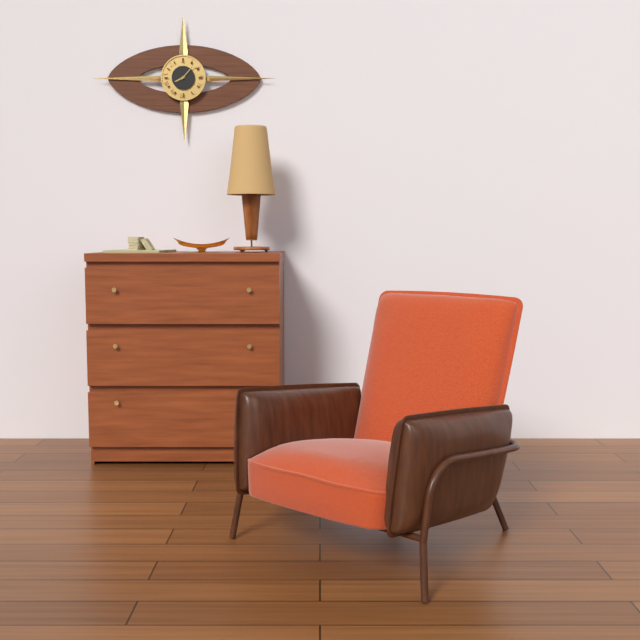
8:07
